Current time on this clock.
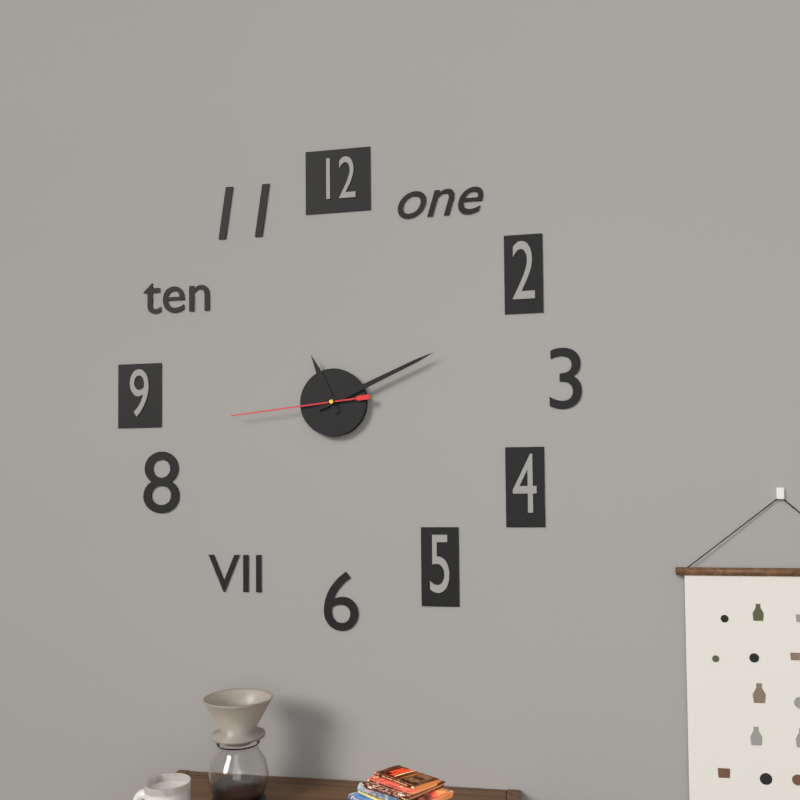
11:11:44
